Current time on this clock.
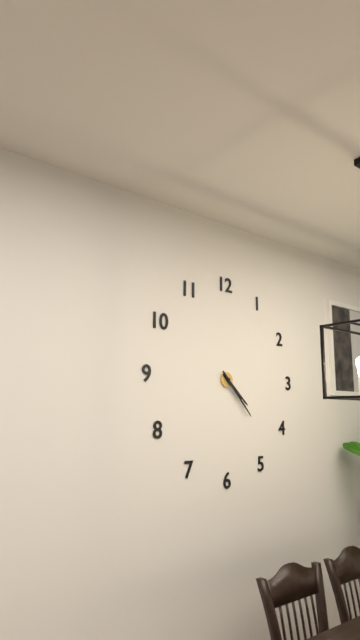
4:23
